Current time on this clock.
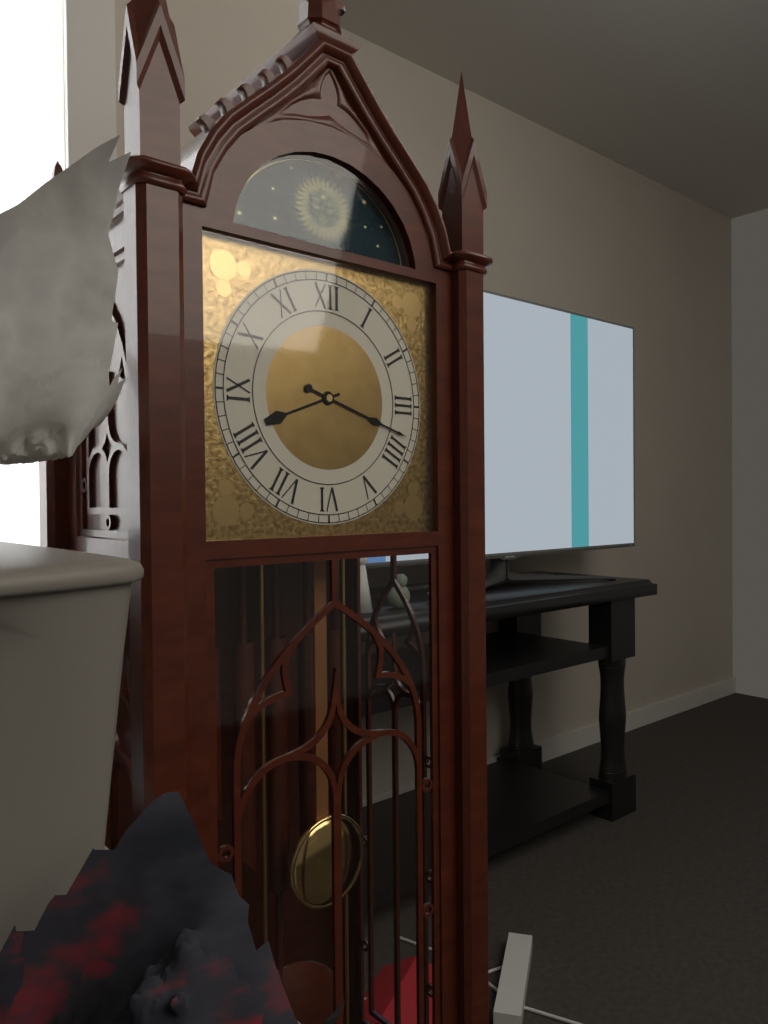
8:18
